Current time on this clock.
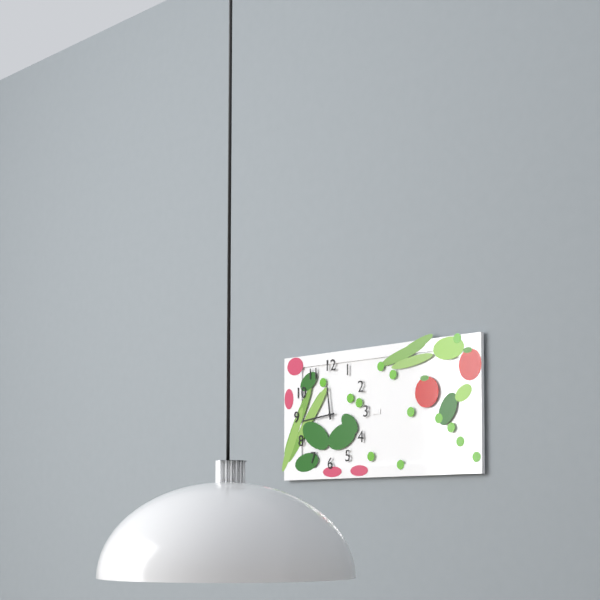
11:44
